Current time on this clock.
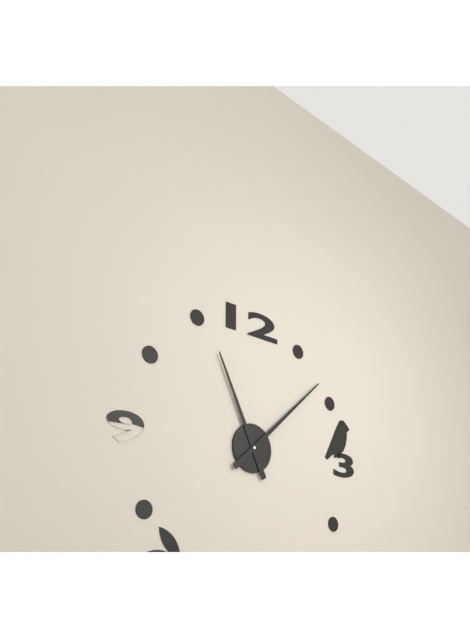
11:08
